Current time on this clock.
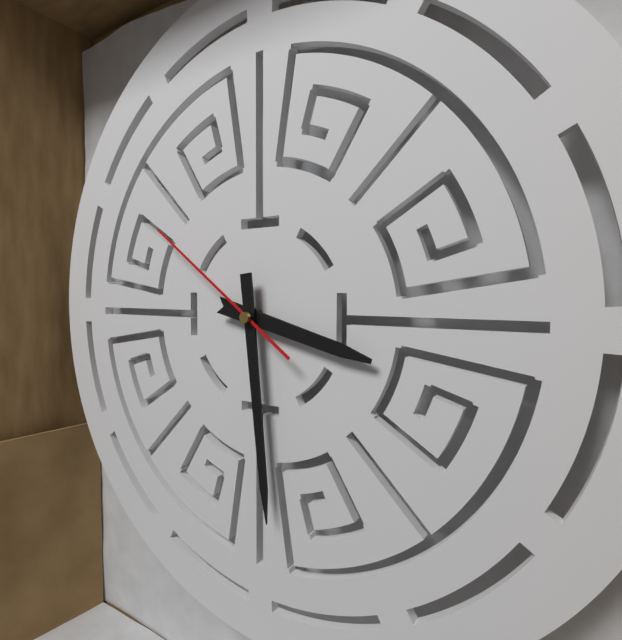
3:29:51
